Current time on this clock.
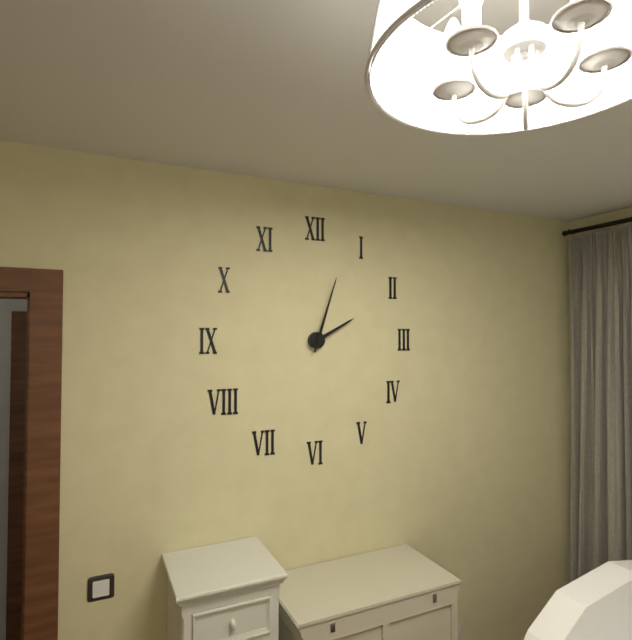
2:03
